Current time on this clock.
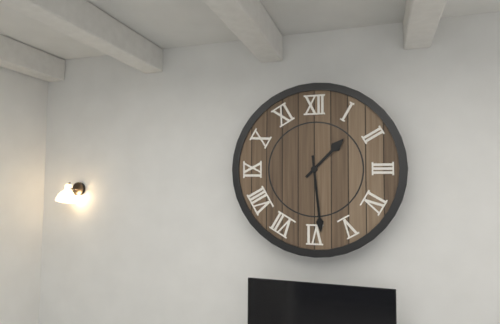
1:29
